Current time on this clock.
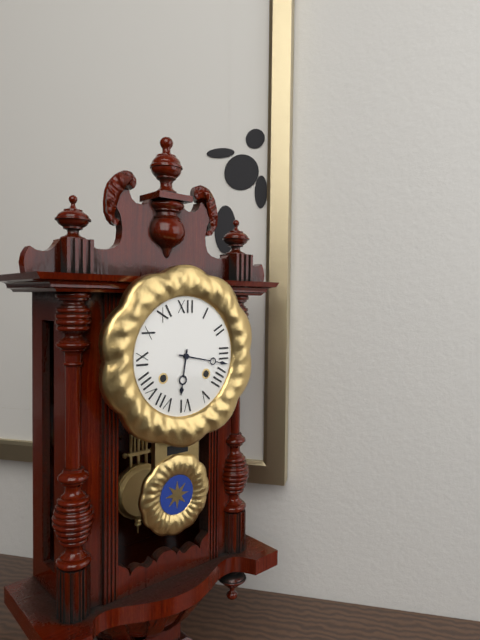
6:17
